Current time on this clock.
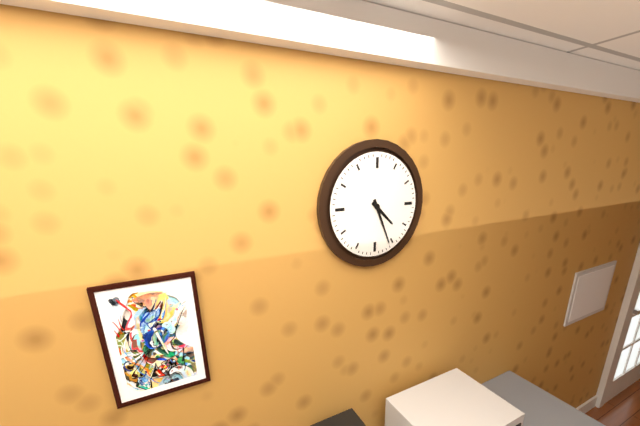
4:26
